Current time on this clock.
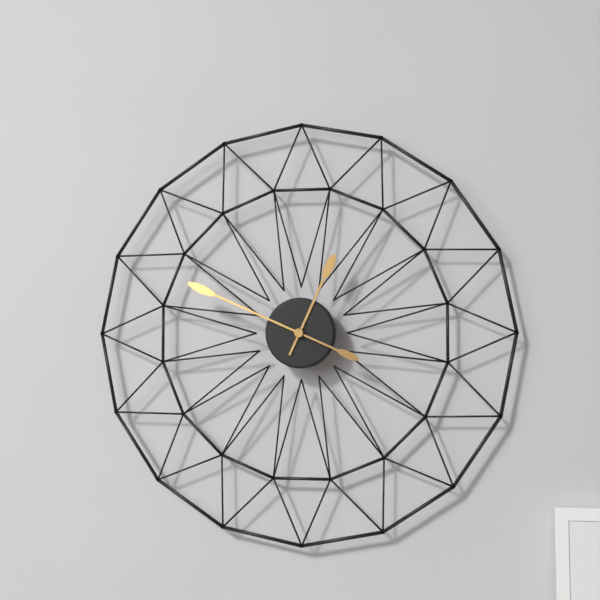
12:49
